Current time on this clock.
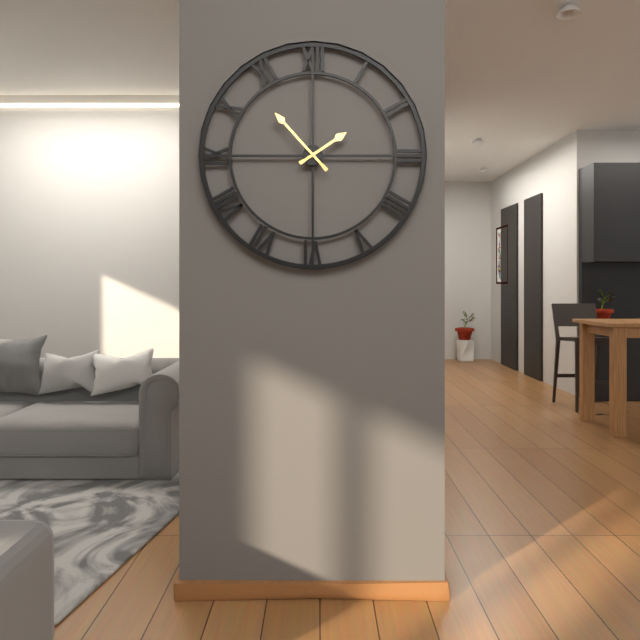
1:53
